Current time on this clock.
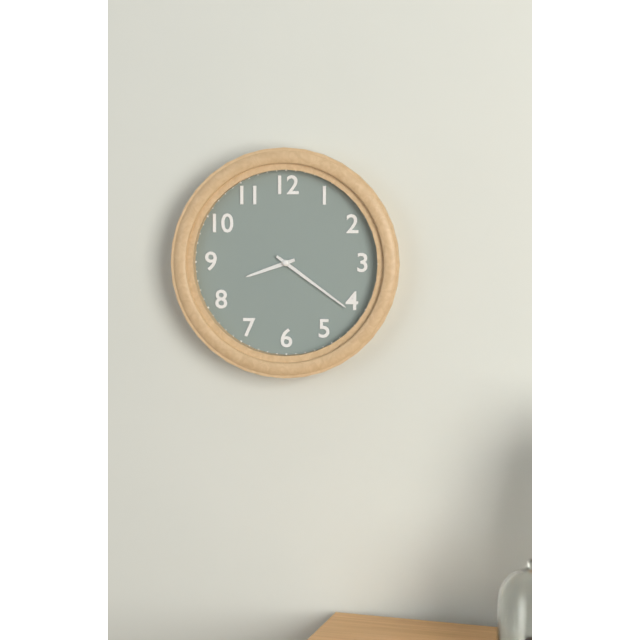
8:21
